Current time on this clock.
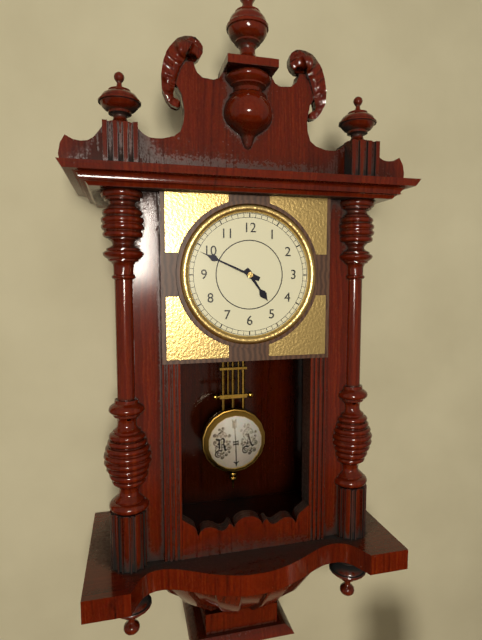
4:49
